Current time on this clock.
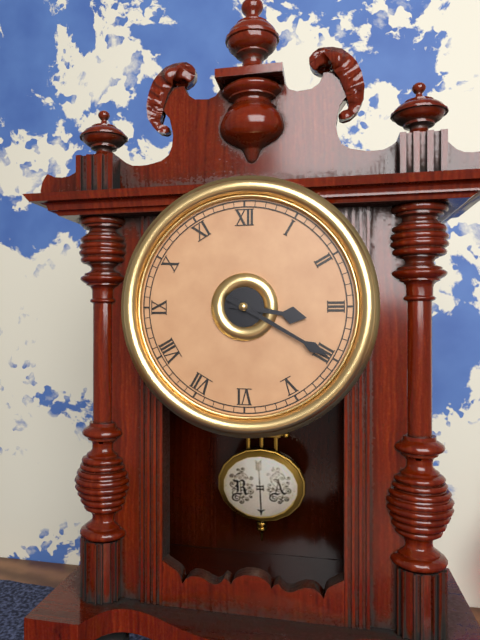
3:20
